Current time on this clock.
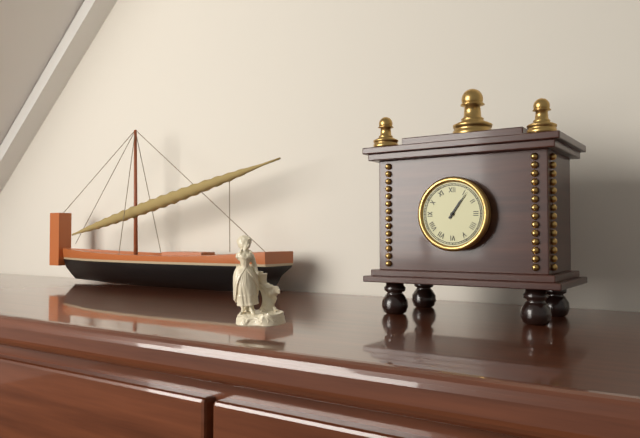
1:06
